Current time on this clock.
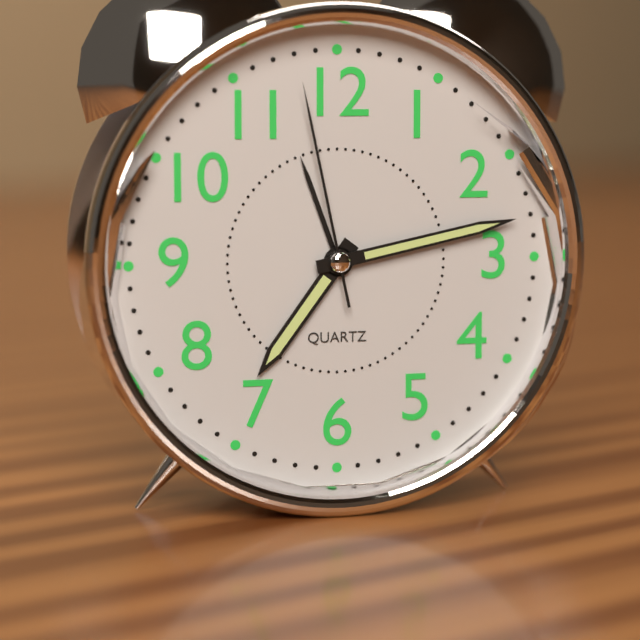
7:13:58
